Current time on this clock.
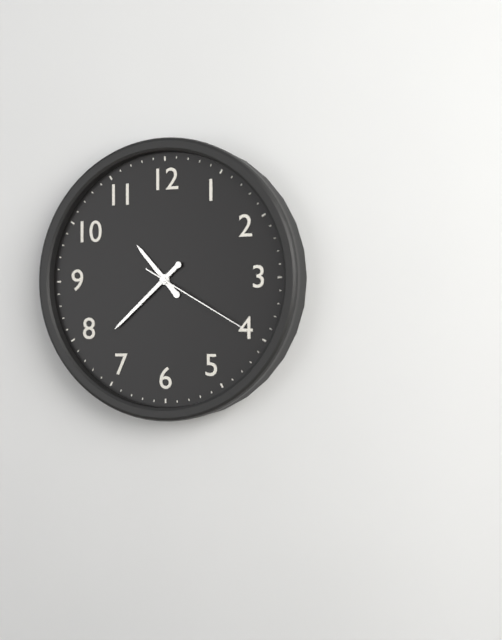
10:38:20
